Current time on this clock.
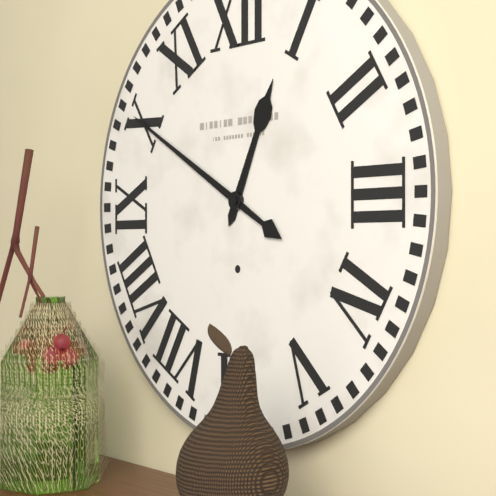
12:50
